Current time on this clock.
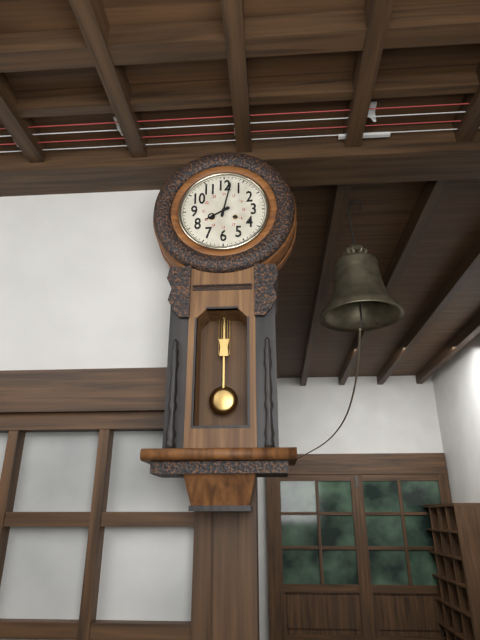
8:02
